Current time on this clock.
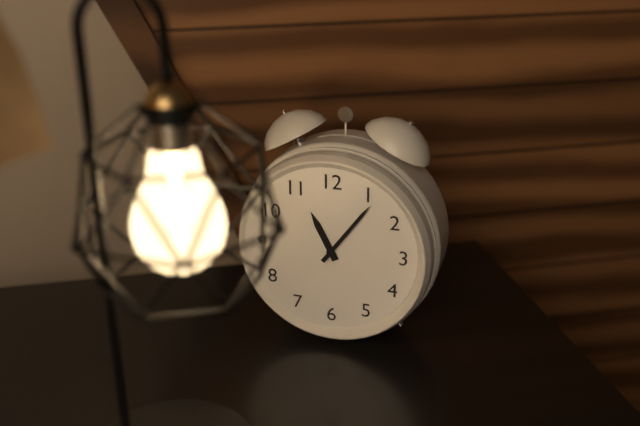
11:06
